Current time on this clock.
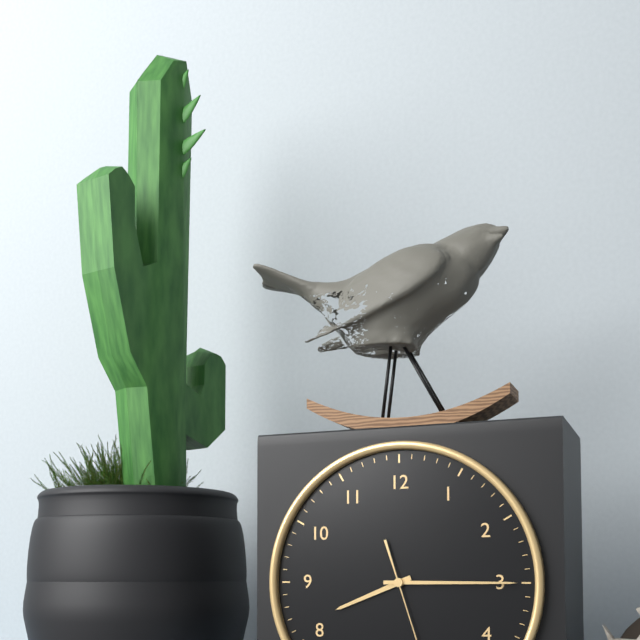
8:15
